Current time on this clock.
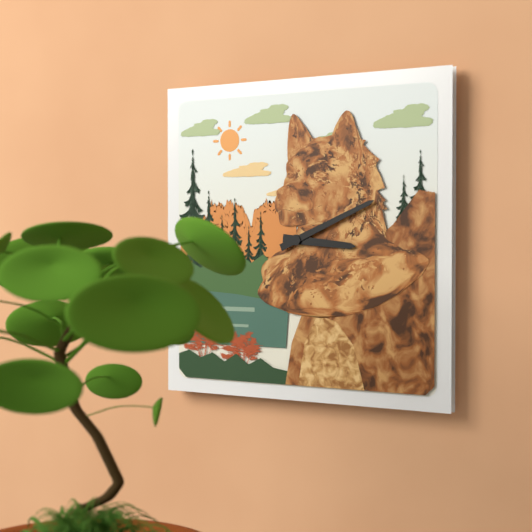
3:11
